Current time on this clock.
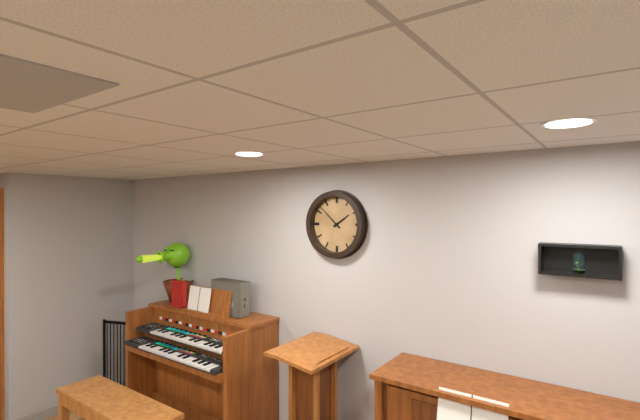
1:52
